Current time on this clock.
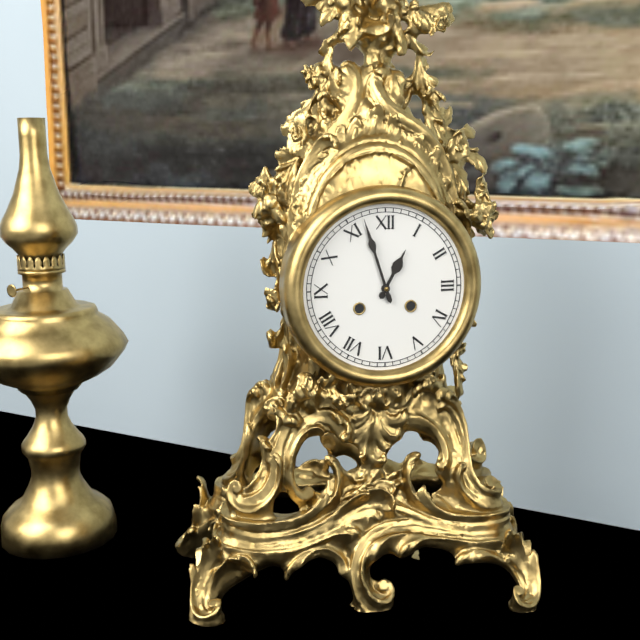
12:57
